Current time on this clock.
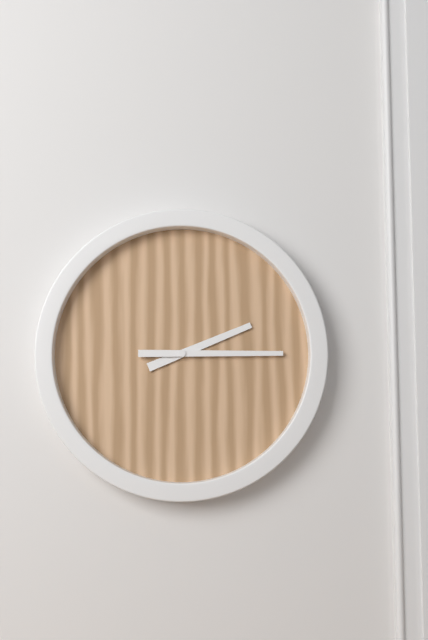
2:15
